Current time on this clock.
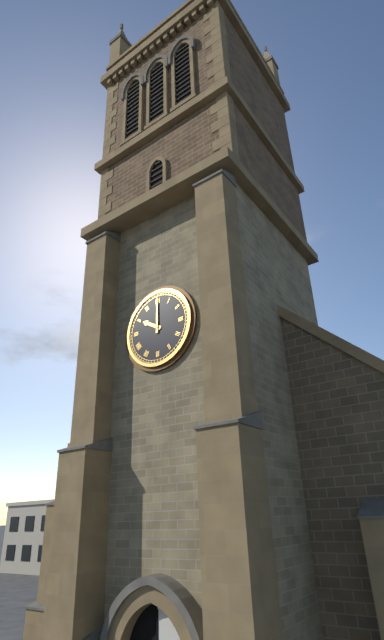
10:00
